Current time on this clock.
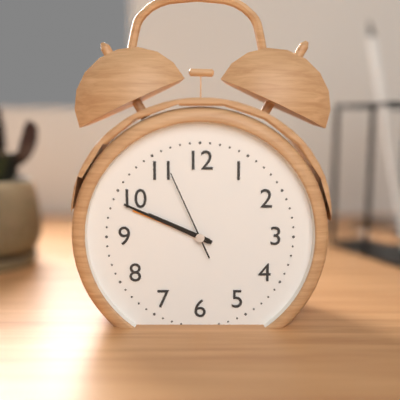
9:49:56
